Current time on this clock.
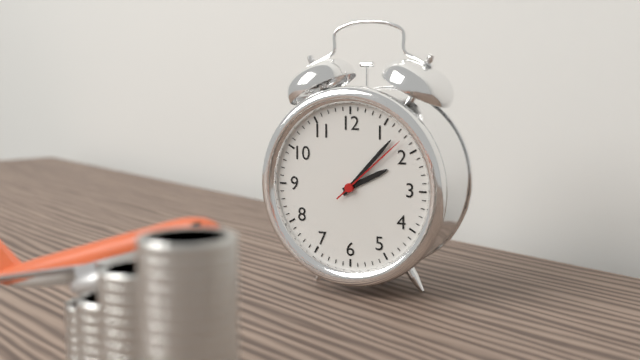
2:07:08
